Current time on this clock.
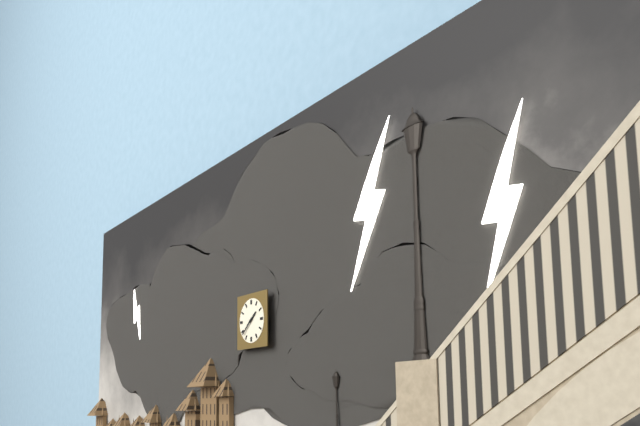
1:38
